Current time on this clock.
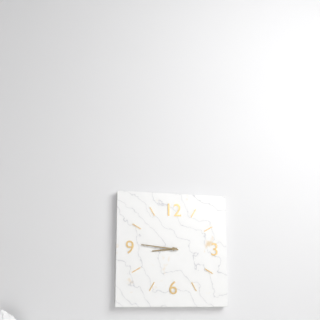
8:46
